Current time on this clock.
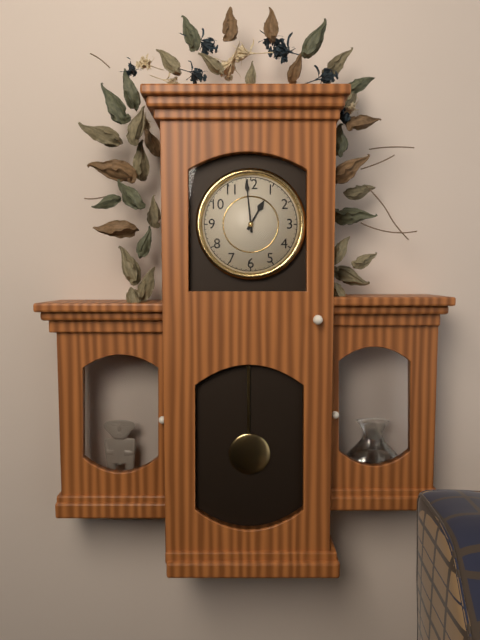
12:59
